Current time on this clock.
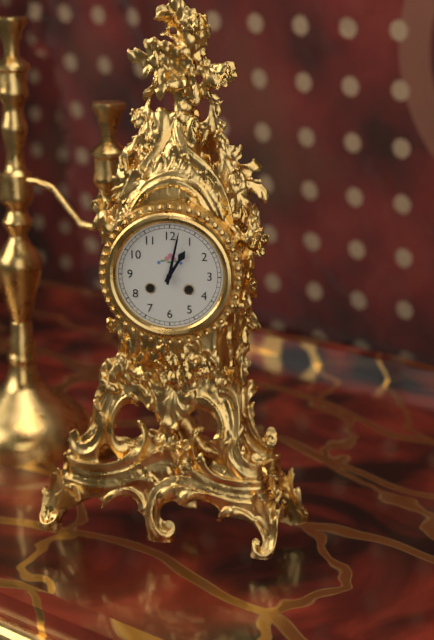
1:02
